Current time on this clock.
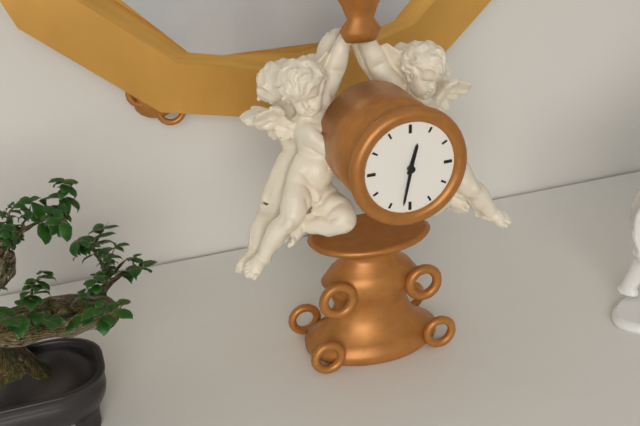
12:32
